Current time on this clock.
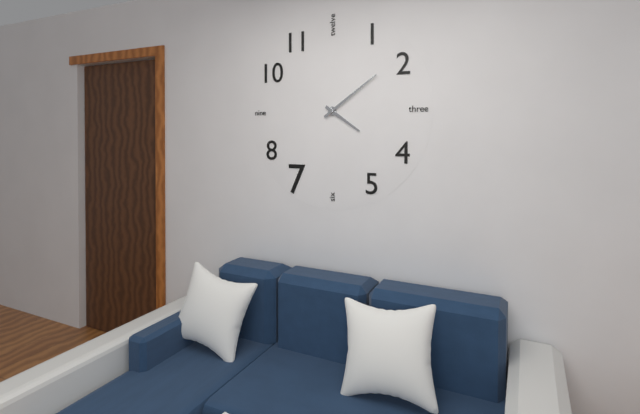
4:09
